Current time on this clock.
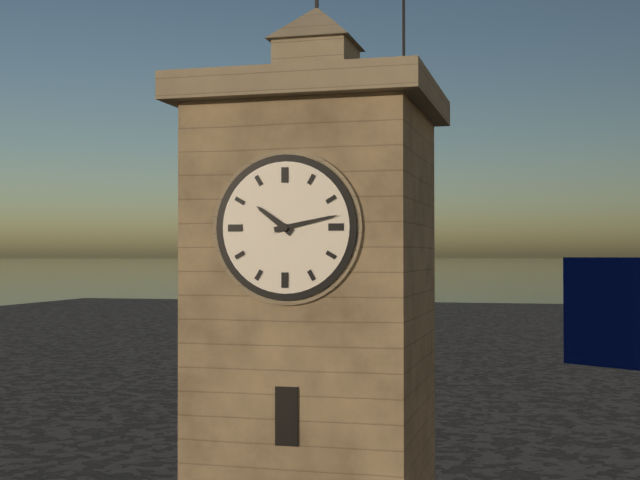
10:13
